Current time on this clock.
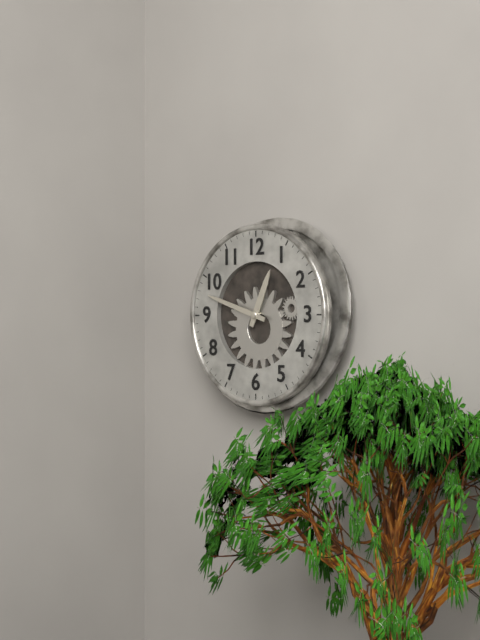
12:48
